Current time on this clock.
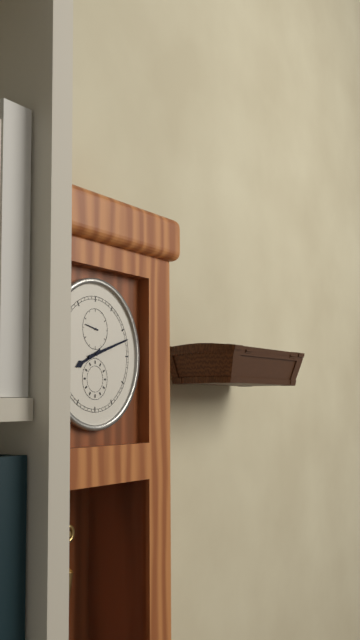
8:12
